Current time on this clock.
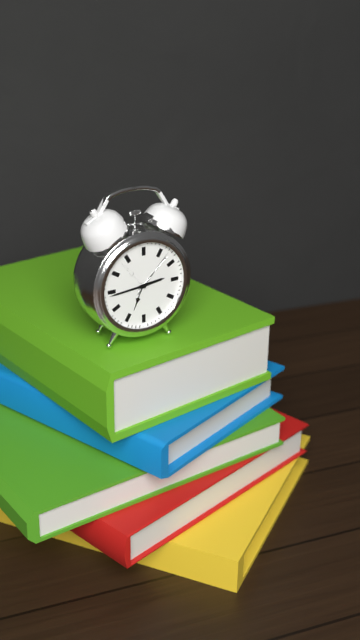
2:44:07
